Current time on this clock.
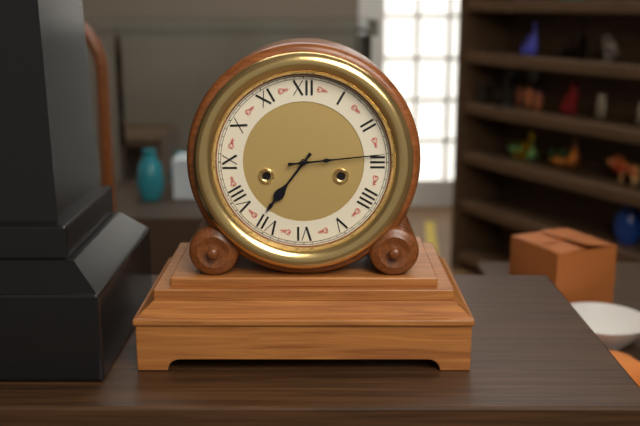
7:14
